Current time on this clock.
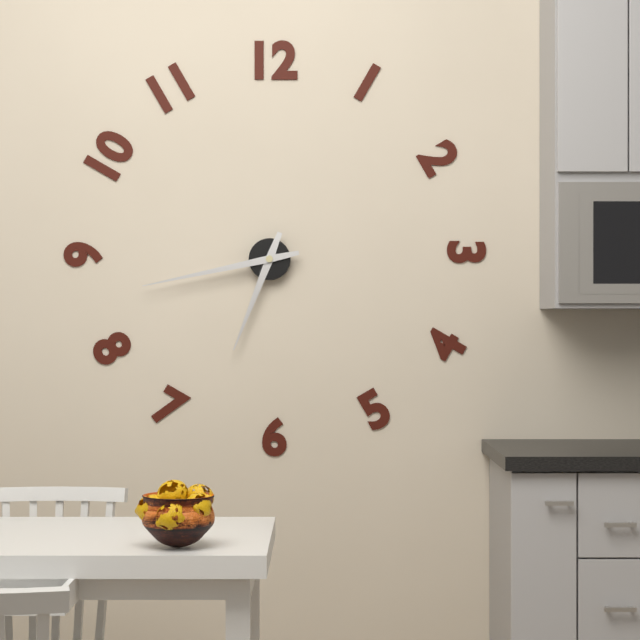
6:43
